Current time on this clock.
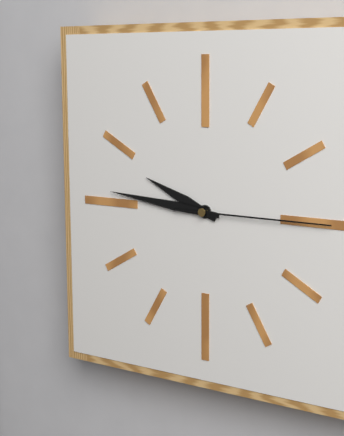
9:46:15
